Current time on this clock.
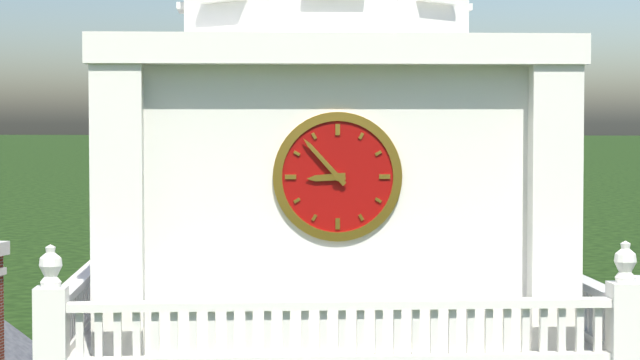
8:53
